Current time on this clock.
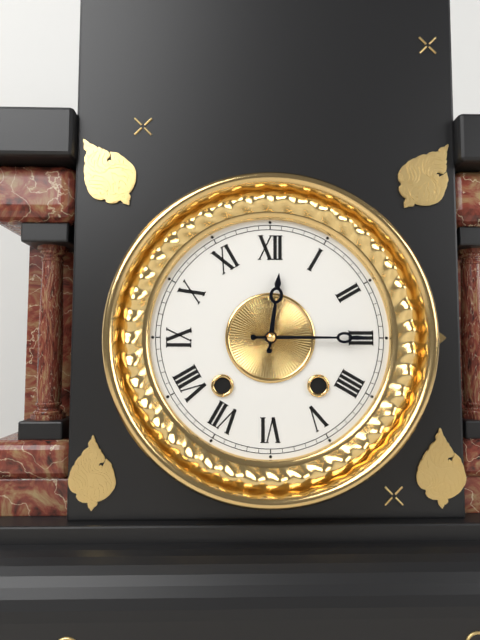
12:15
